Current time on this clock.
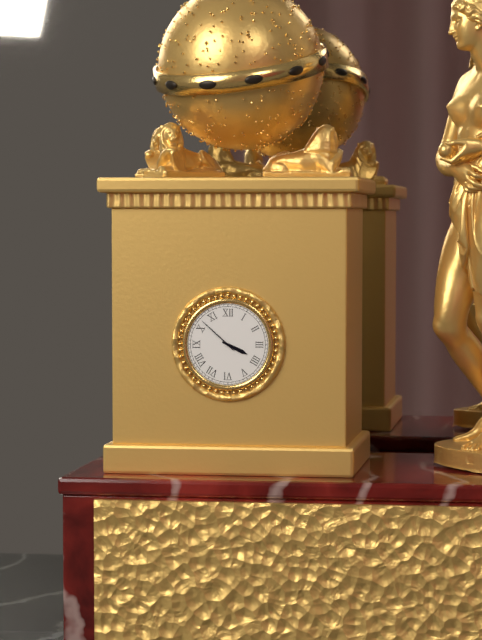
3:52
